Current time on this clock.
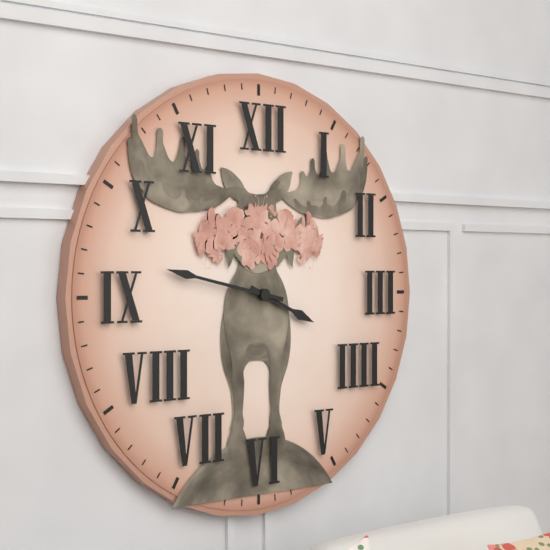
3:47
